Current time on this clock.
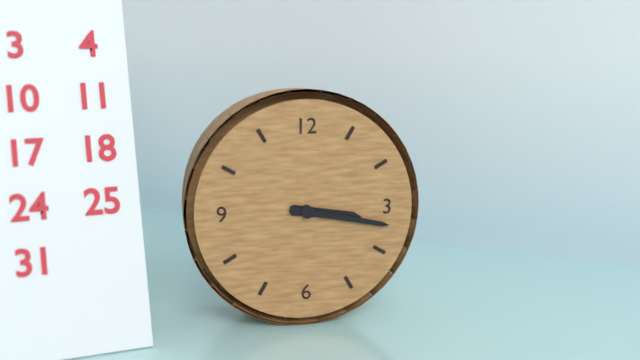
3:17
